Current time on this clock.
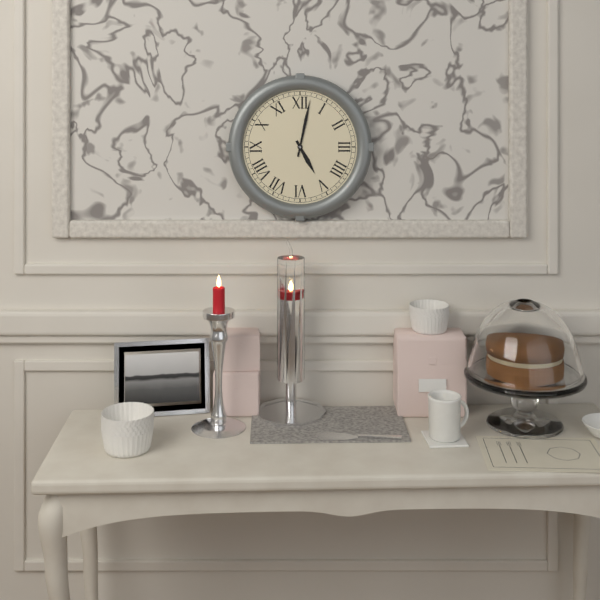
5:02
